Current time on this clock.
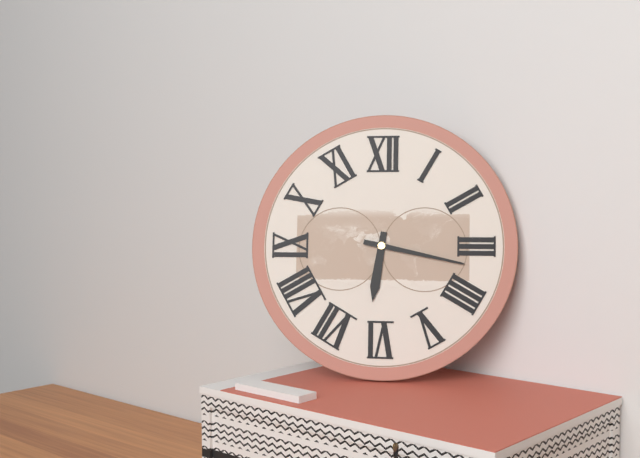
6:17
